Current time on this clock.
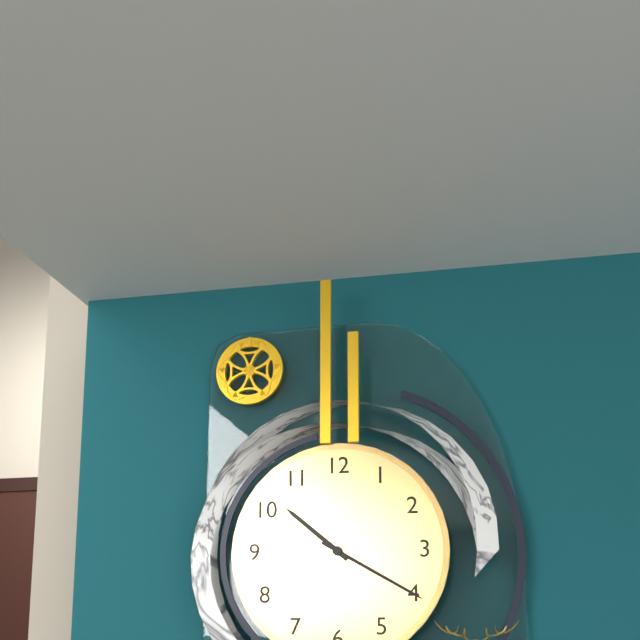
10:20
